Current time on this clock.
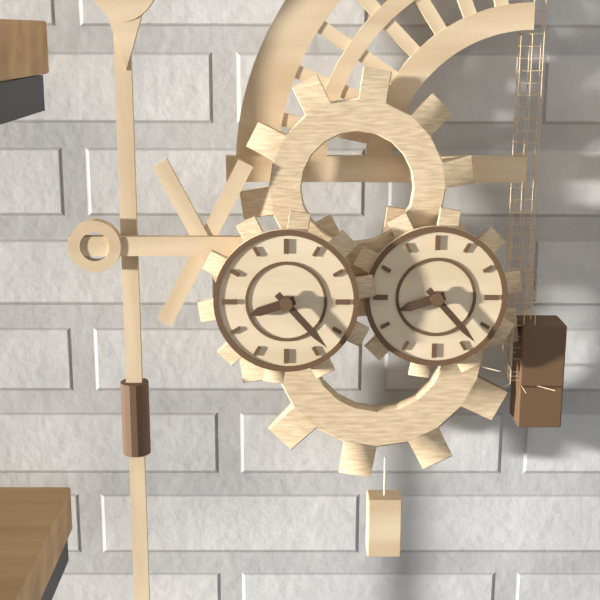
8:23
